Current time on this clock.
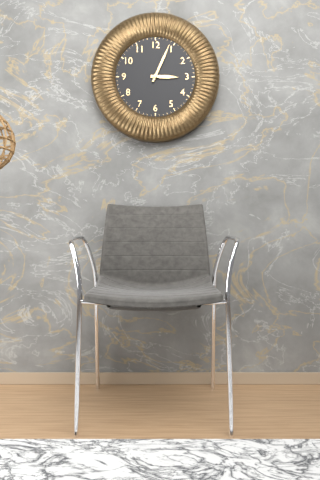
3:04
